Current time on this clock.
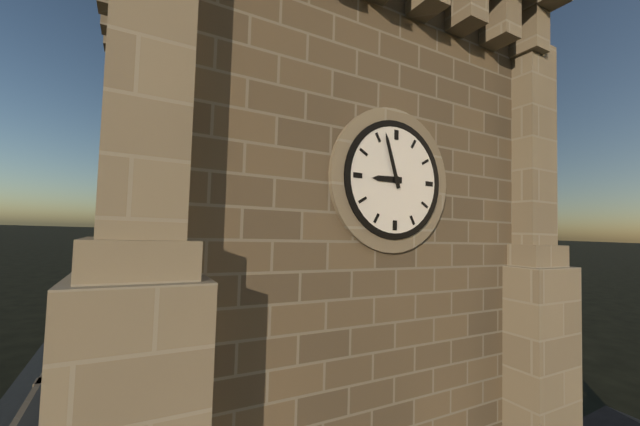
8:57
